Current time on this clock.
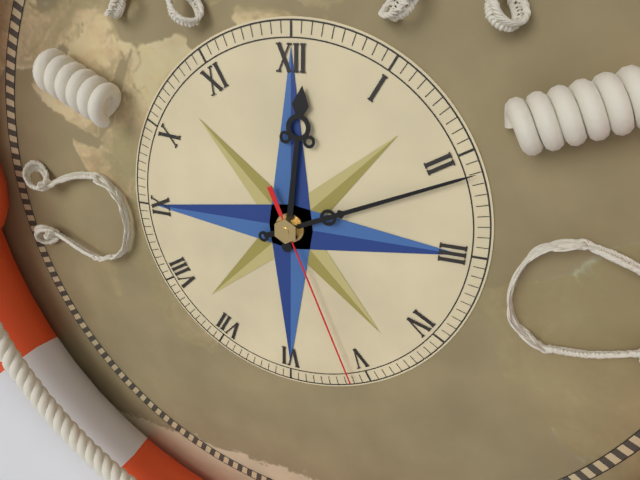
12:11:26
